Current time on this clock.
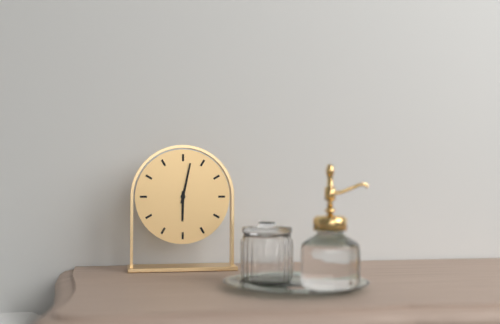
6:02
